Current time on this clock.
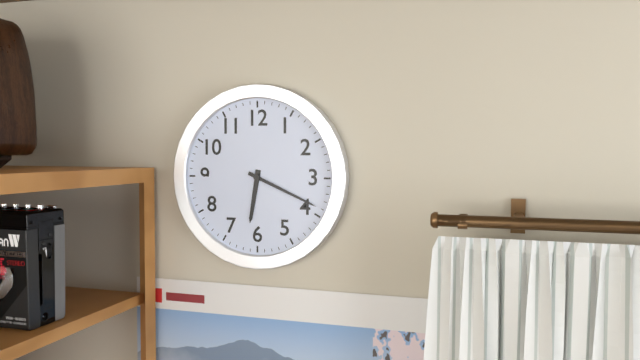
6:19
